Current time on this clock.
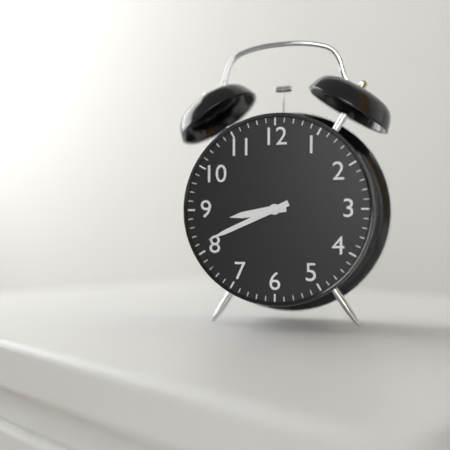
8:41
